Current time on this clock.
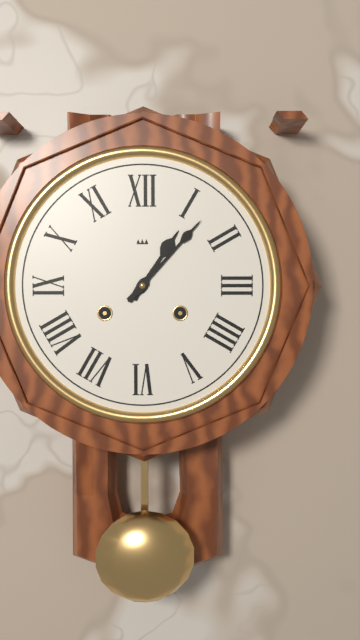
1:07
